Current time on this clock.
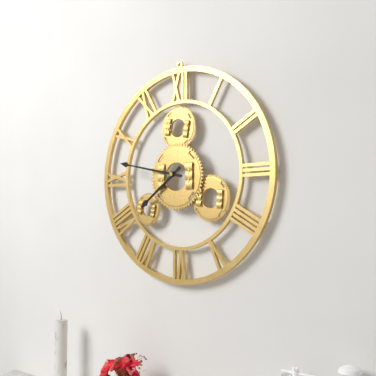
7:47
